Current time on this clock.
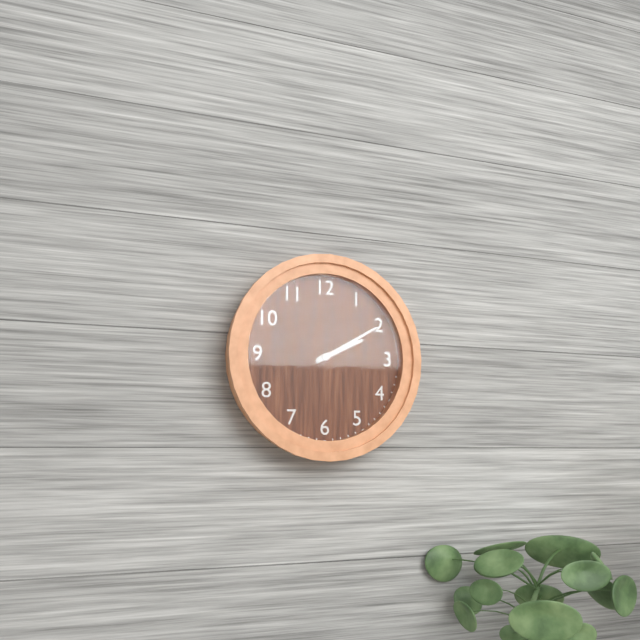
2:10
